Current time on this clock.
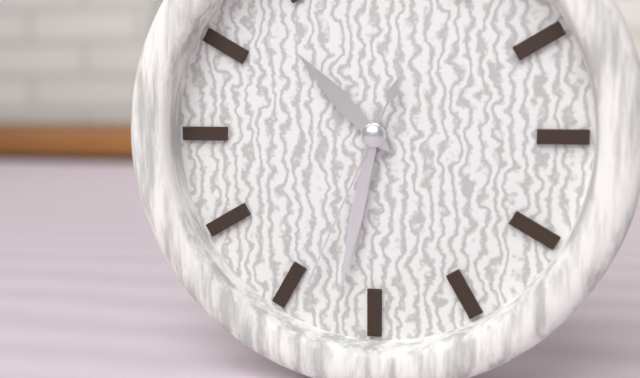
10:32:34
